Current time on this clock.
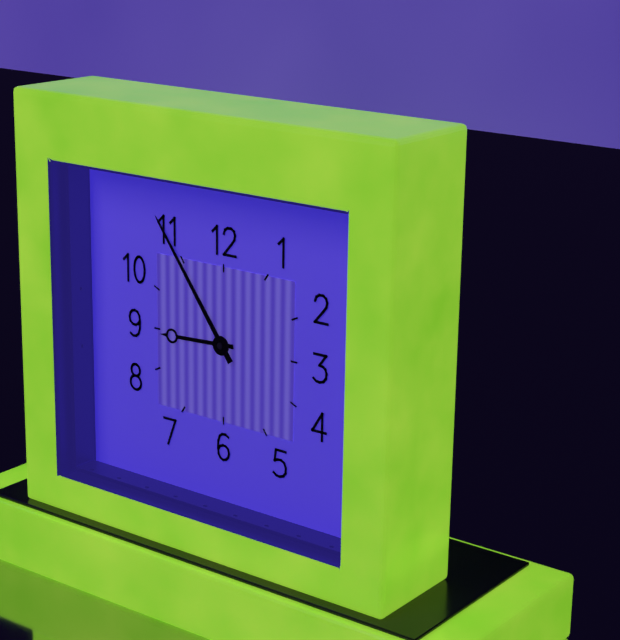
8:54
